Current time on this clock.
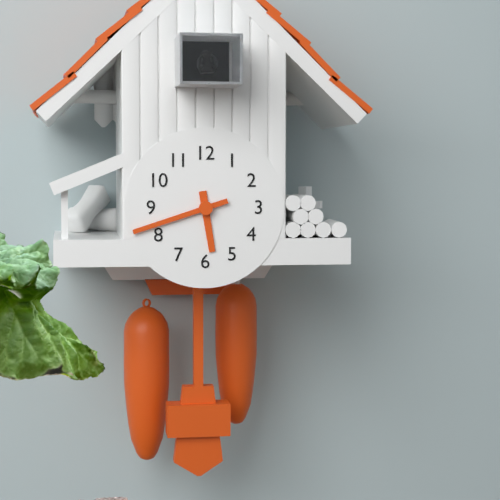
5:42
